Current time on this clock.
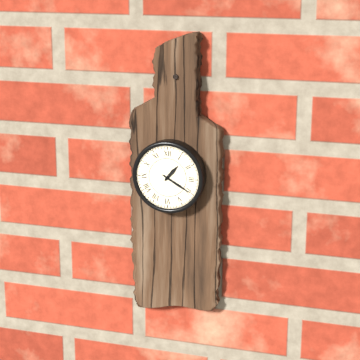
1:20
